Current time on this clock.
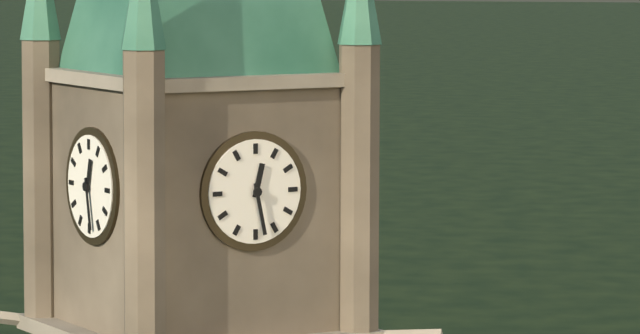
12:28
